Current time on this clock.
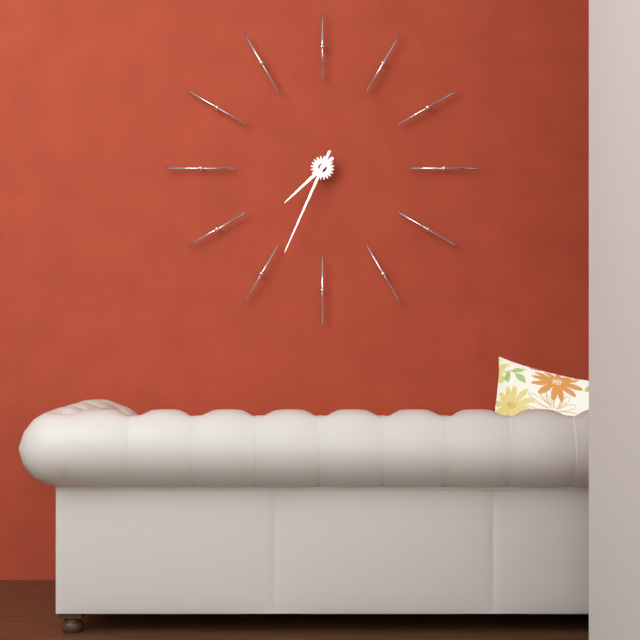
7:34
